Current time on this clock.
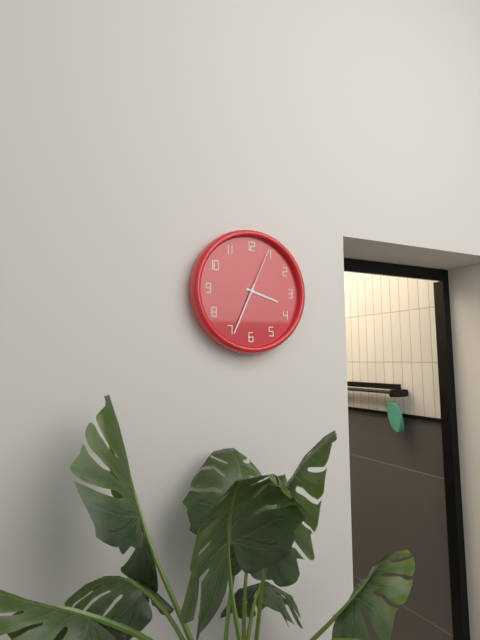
3:34:04
